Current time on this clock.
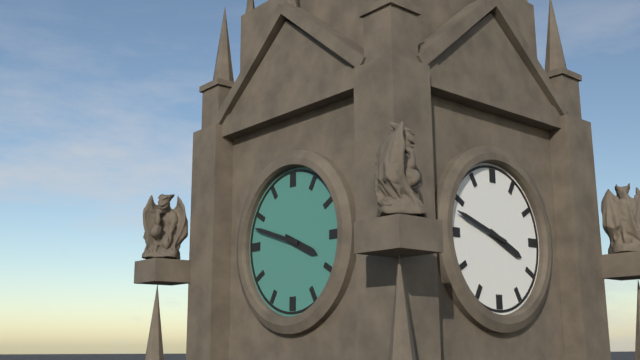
3:48
